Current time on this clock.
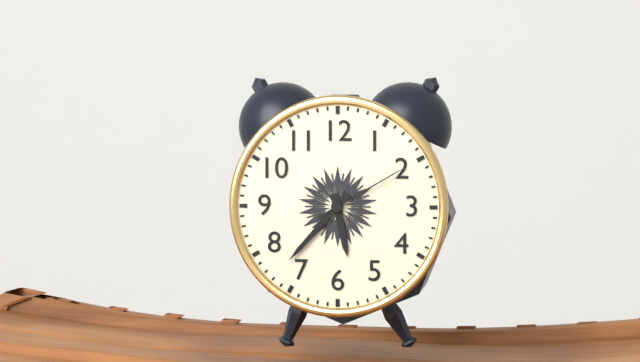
5:37:10
